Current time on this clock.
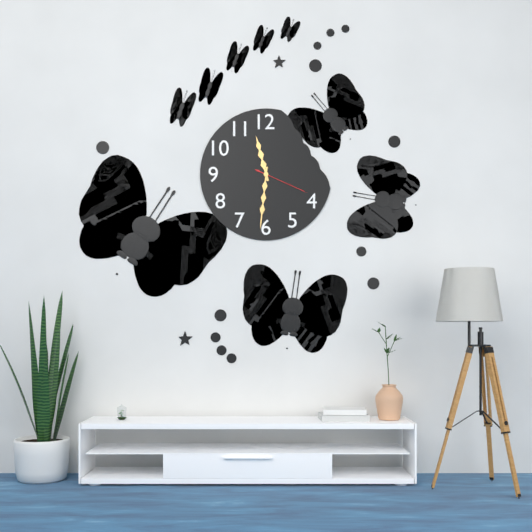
11:31:19
